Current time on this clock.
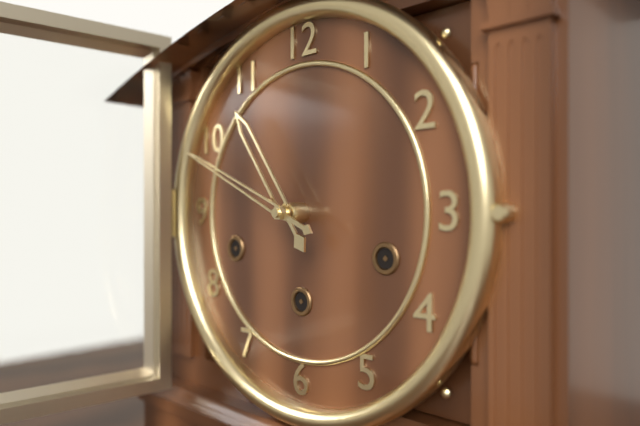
10:49
